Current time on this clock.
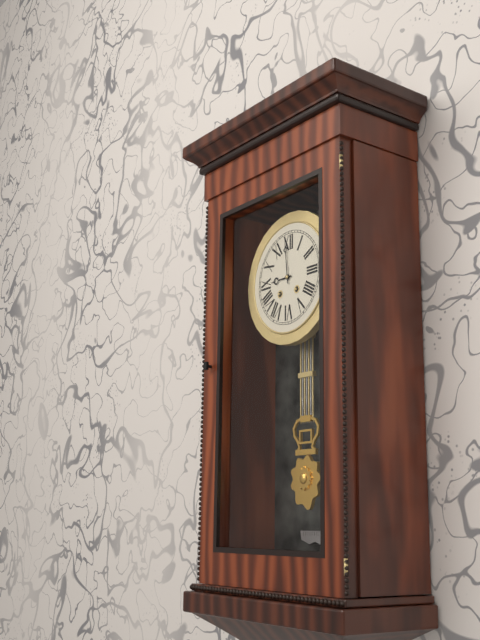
8:59
